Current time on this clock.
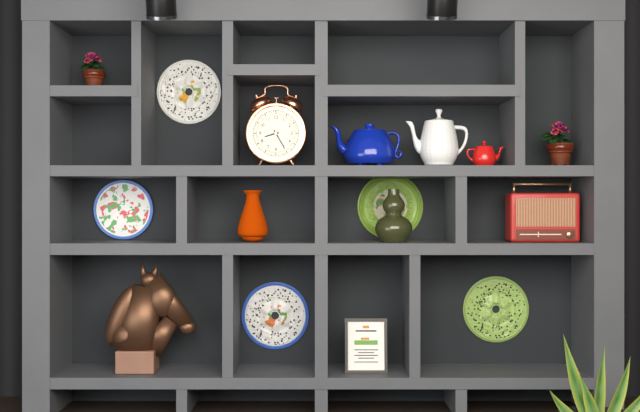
8:25
